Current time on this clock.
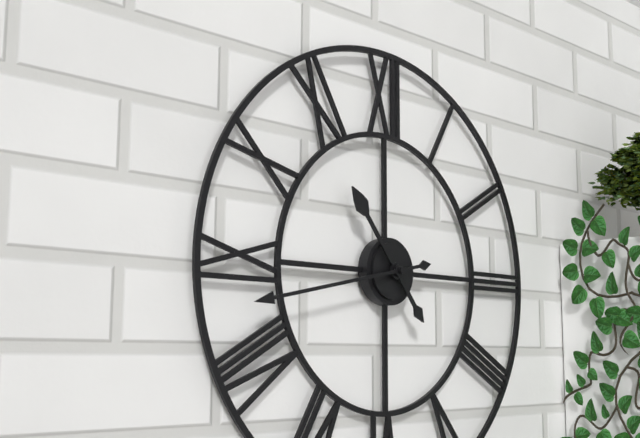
10:43
